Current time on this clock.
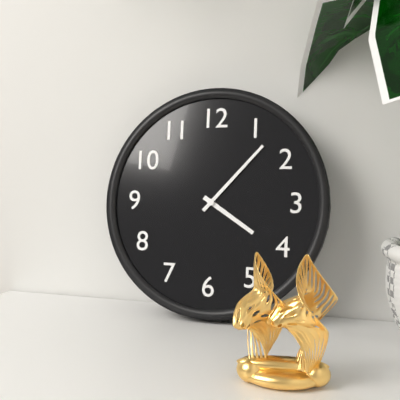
4:07
